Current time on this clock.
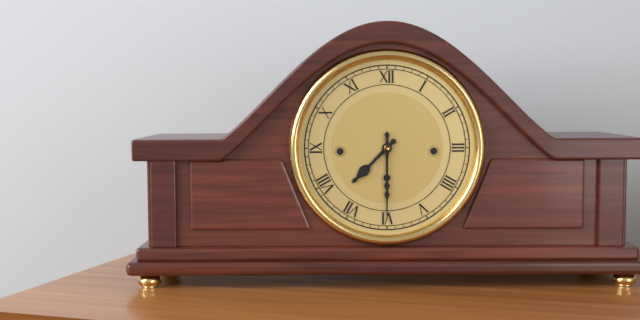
7:30
